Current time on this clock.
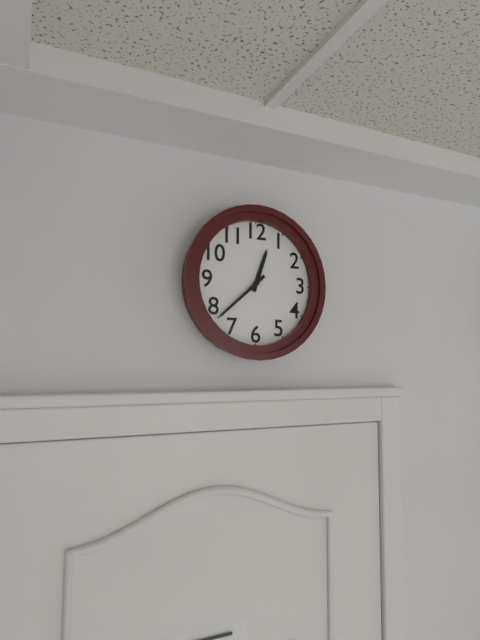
12:38
